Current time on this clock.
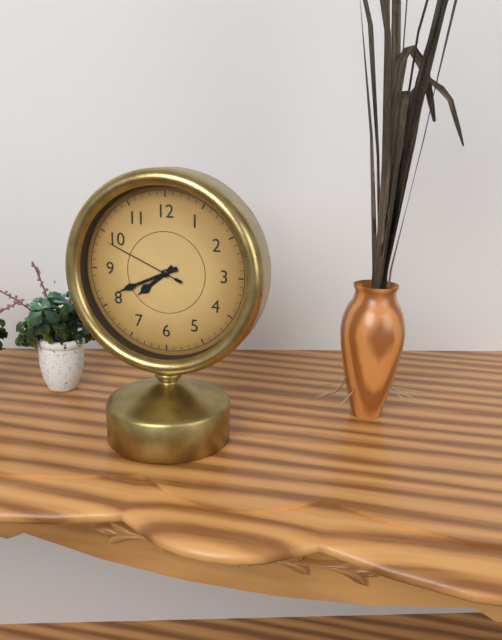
7:41:49
